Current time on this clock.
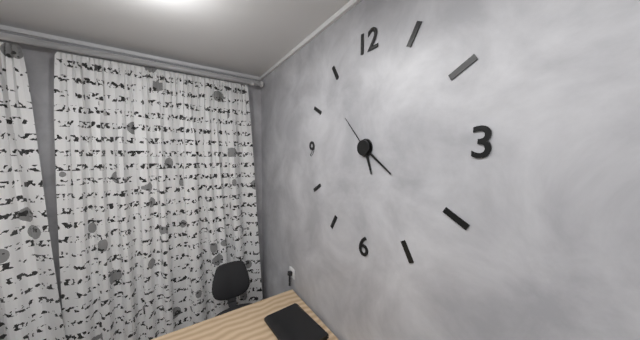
5:21
